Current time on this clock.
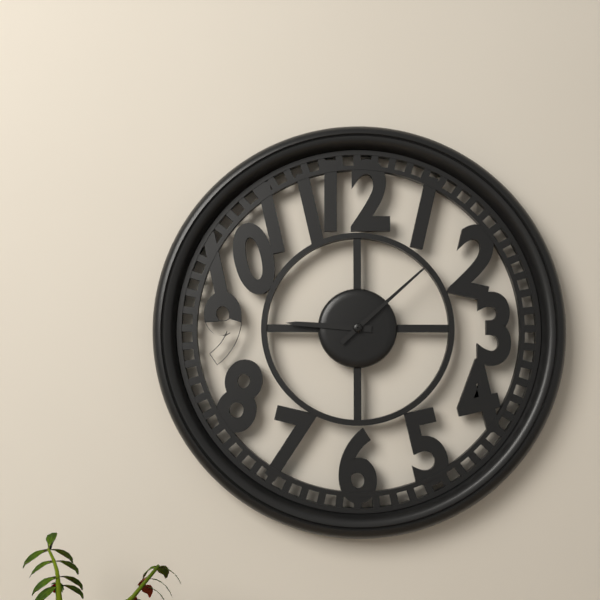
9:08
